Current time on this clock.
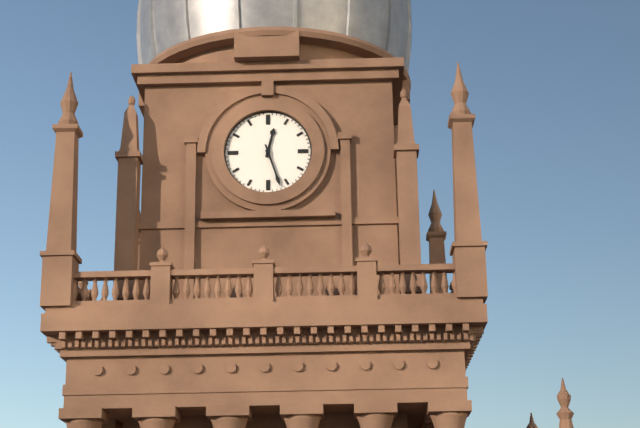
12:27
